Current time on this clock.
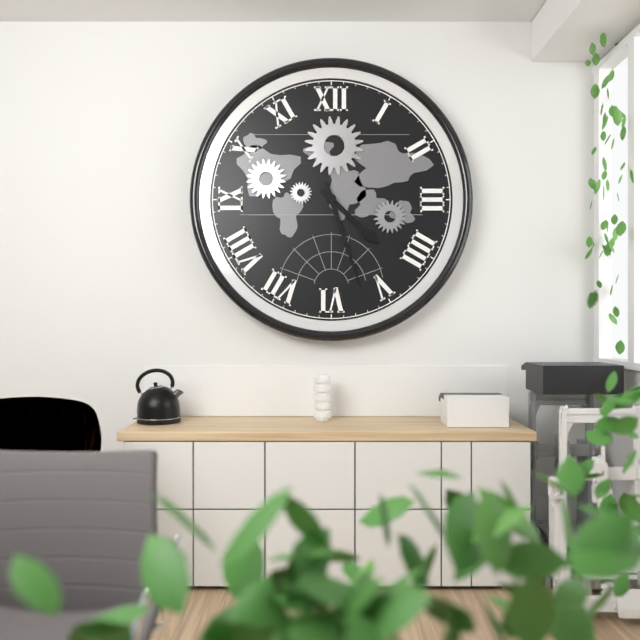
4:27
